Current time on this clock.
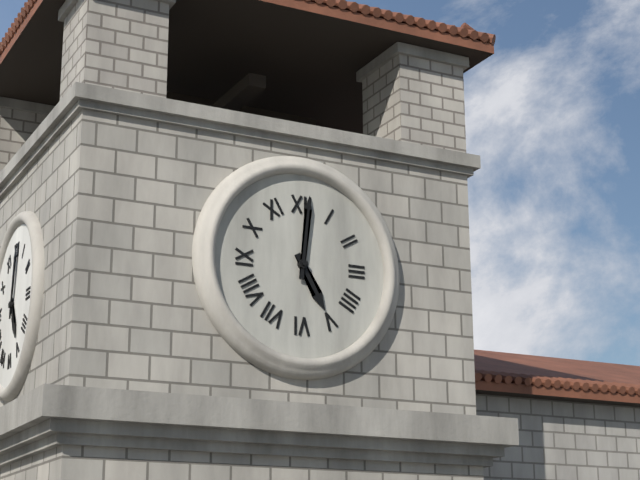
5:01
